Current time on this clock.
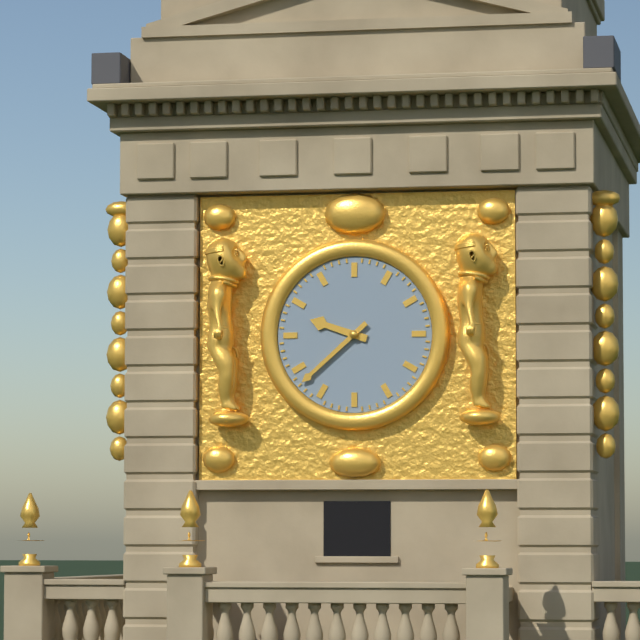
9:38
